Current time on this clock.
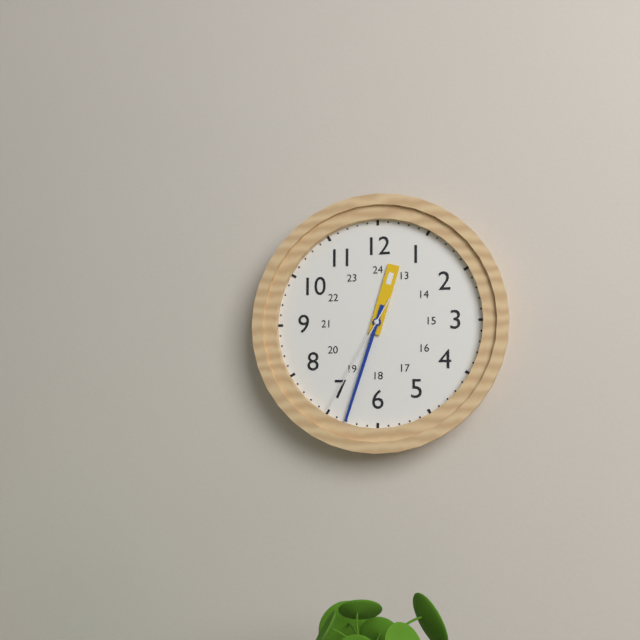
12:33:35
